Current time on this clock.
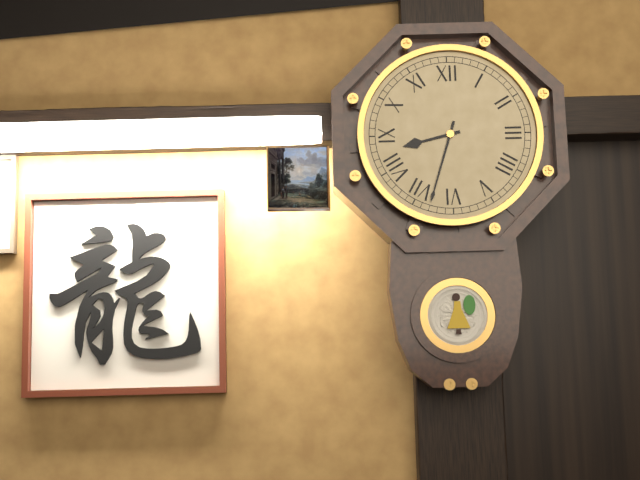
8:33
